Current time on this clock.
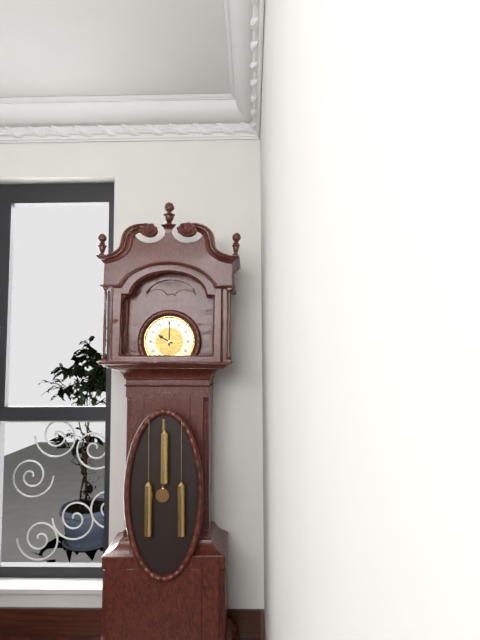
10:00
